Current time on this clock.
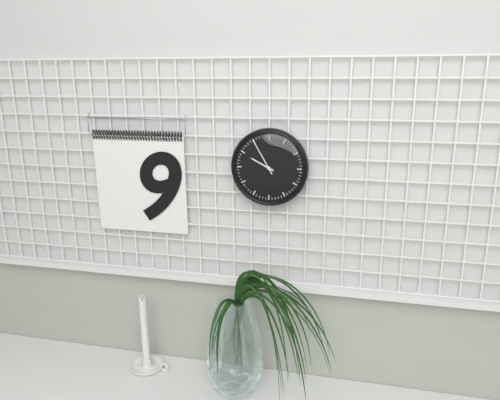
9:55
